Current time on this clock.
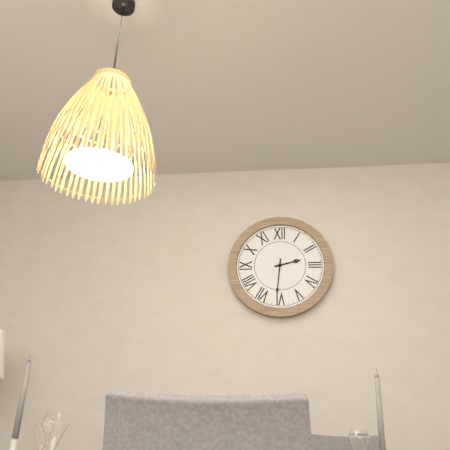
2:31
